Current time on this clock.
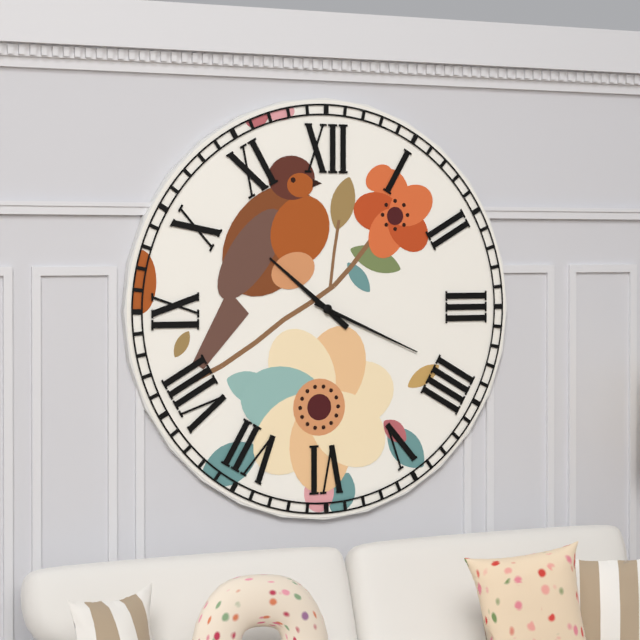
10:19
